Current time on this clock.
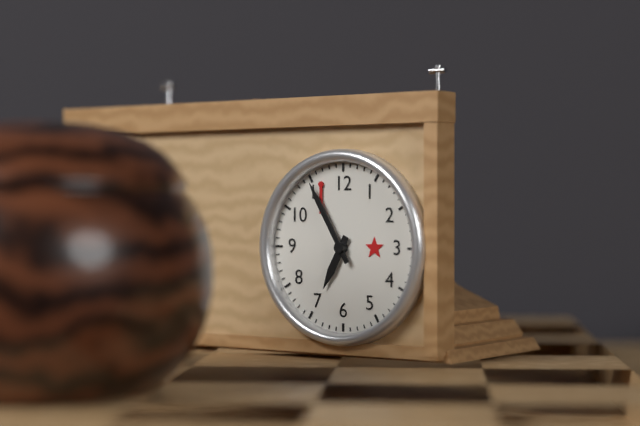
6:55
